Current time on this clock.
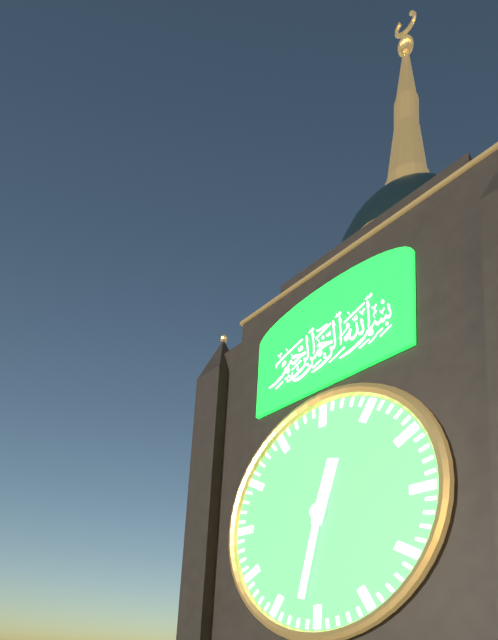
12:32
